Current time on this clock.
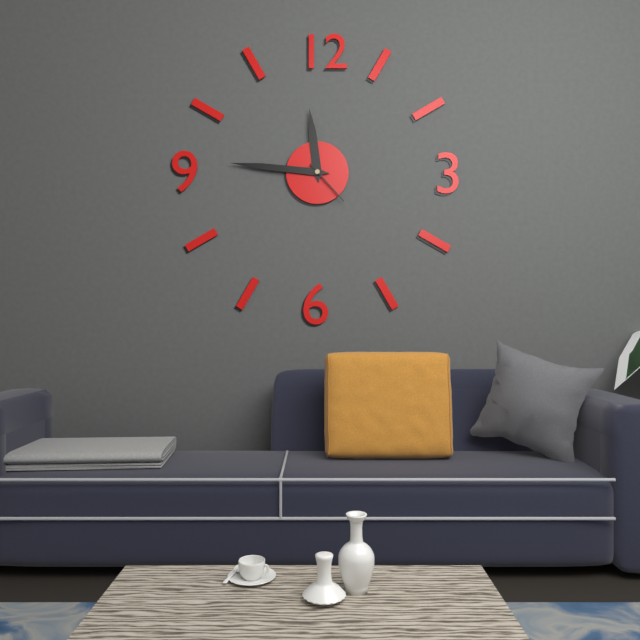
11:46
